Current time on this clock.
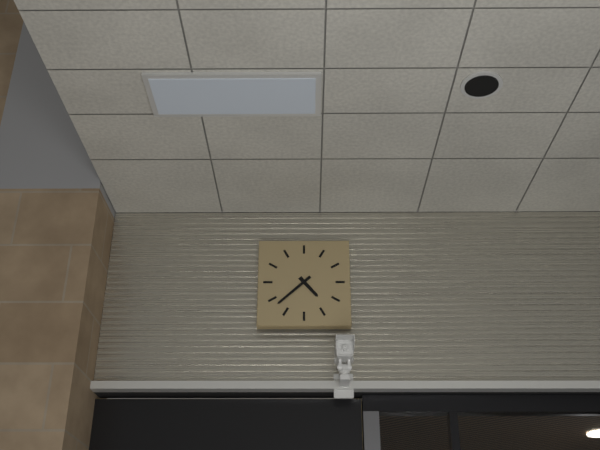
4:38
